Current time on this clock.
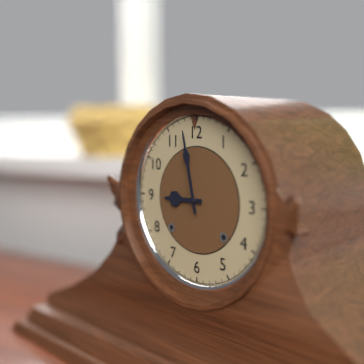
8:58
